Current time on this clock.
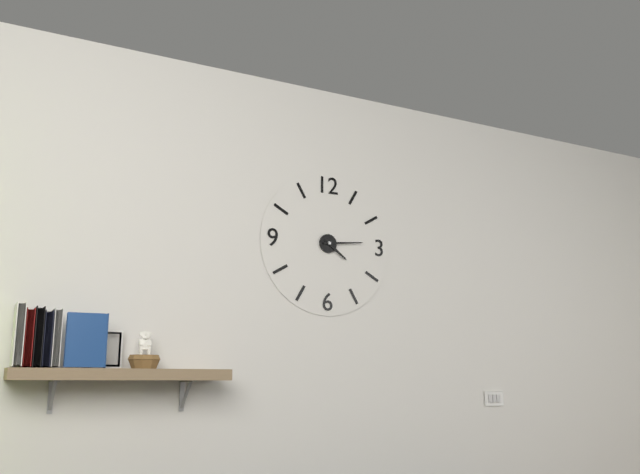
4:14
